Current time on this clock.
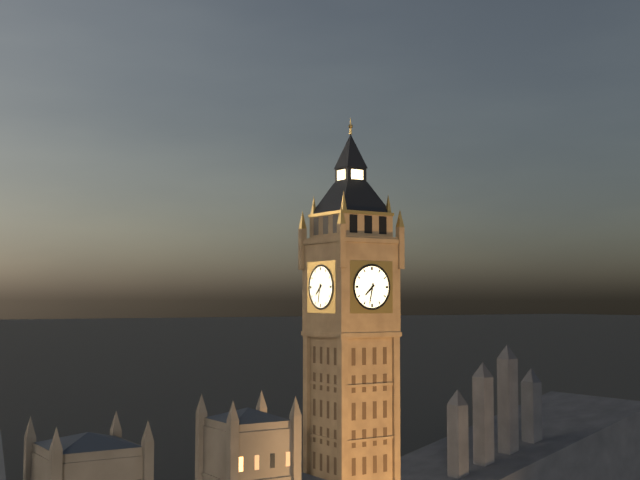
7:32
